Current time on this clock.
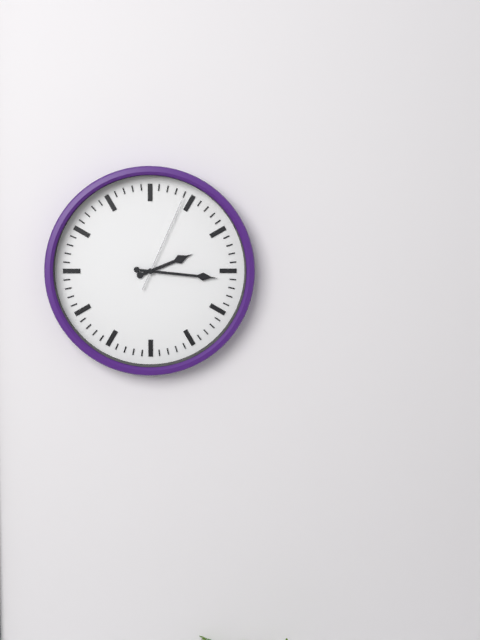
2:16:04
